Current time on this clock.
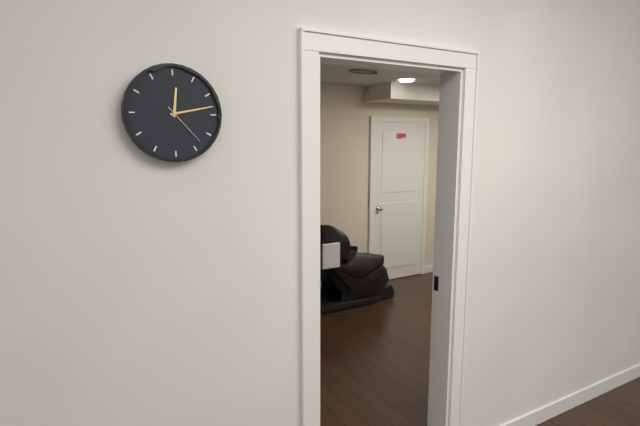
12:13
